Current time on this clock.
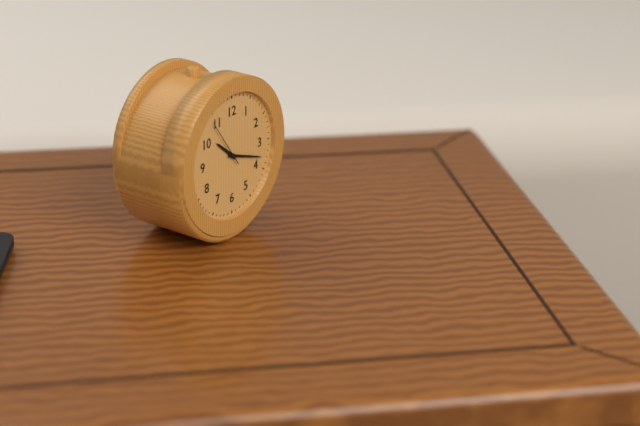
10:18
